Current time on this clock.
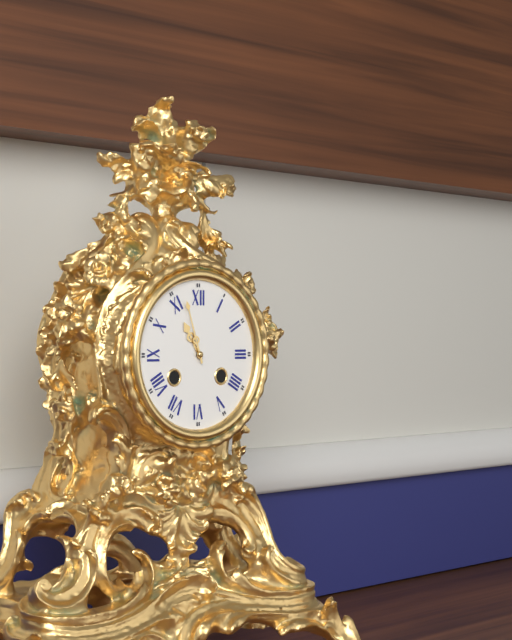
10:57
